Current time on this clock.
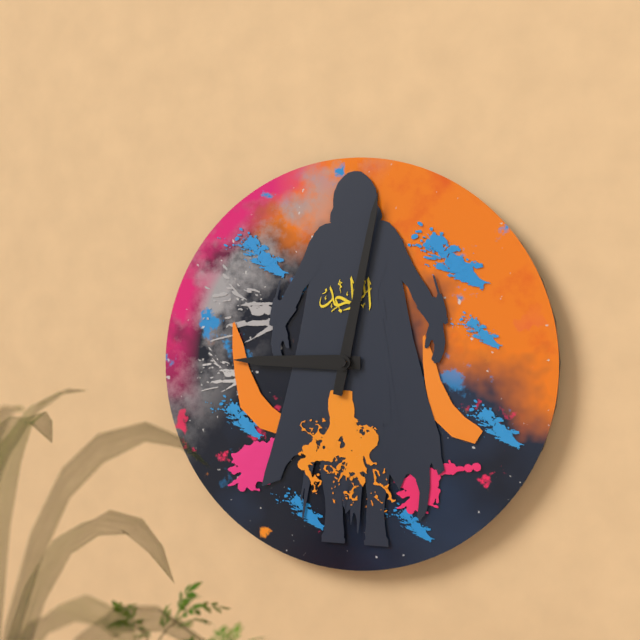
9:02
